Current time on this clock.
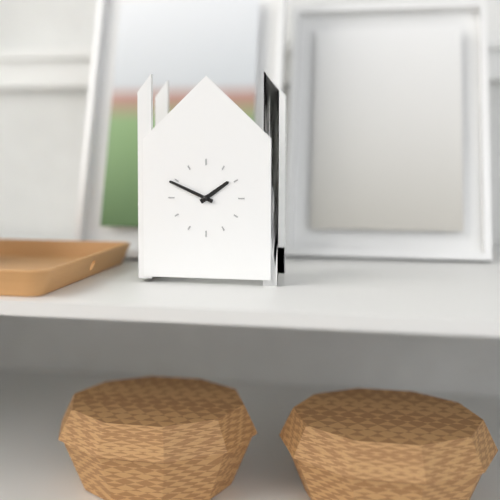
1:49
